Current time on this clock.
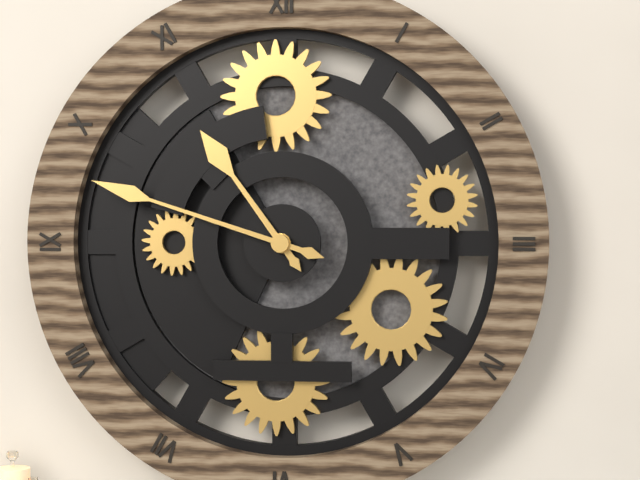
10:48
